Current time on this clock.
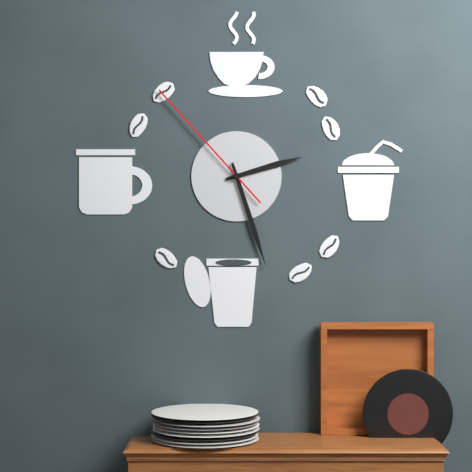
2:27:53
